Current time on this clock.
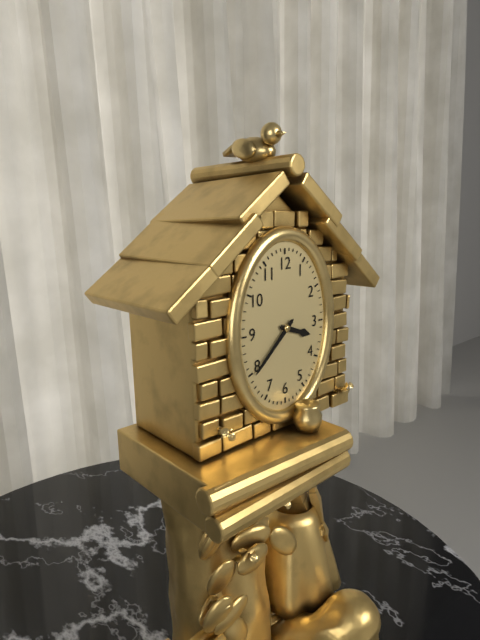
3:38
